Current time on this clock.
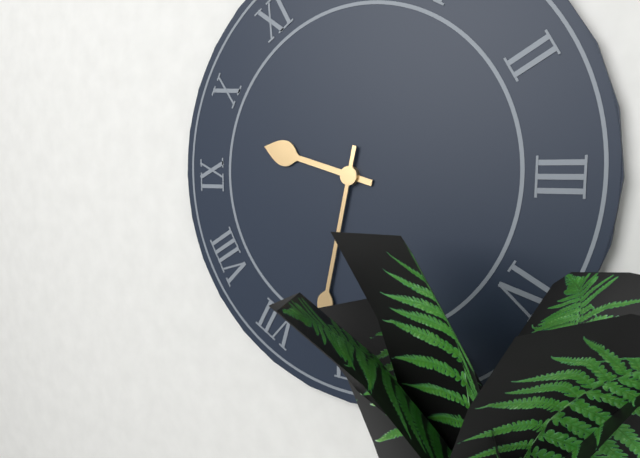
9:32
